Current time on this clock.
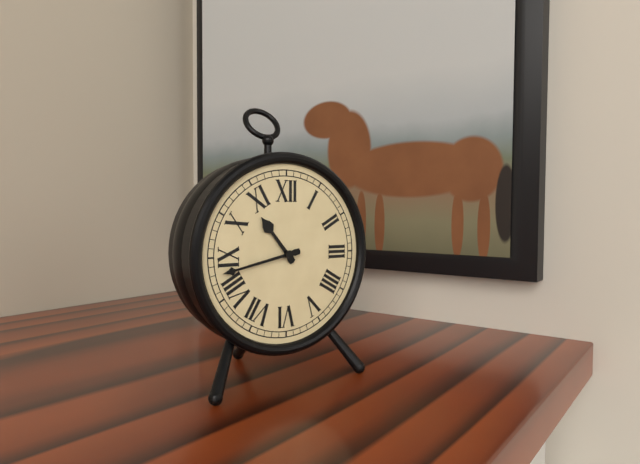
10:43
